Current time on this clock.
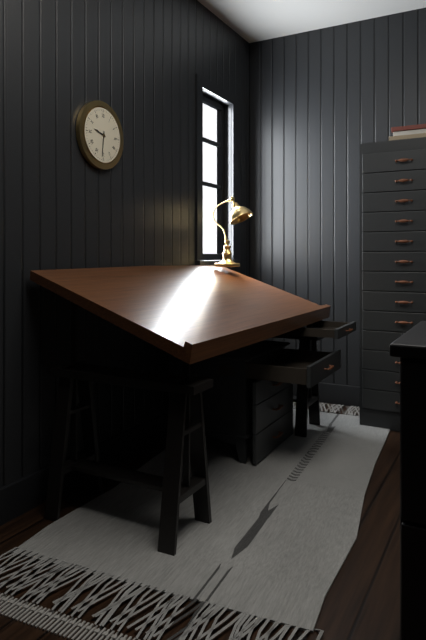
9:31
